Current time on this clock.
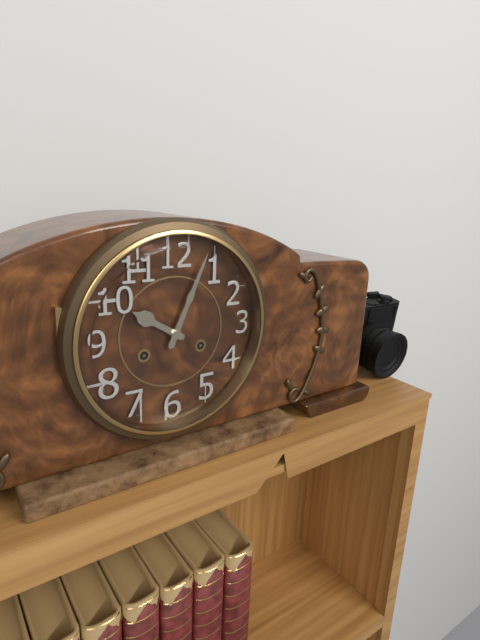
10:04
